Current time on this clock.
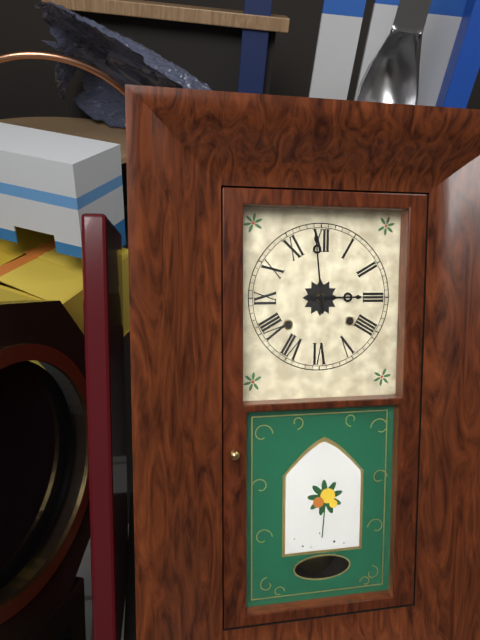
2:59
